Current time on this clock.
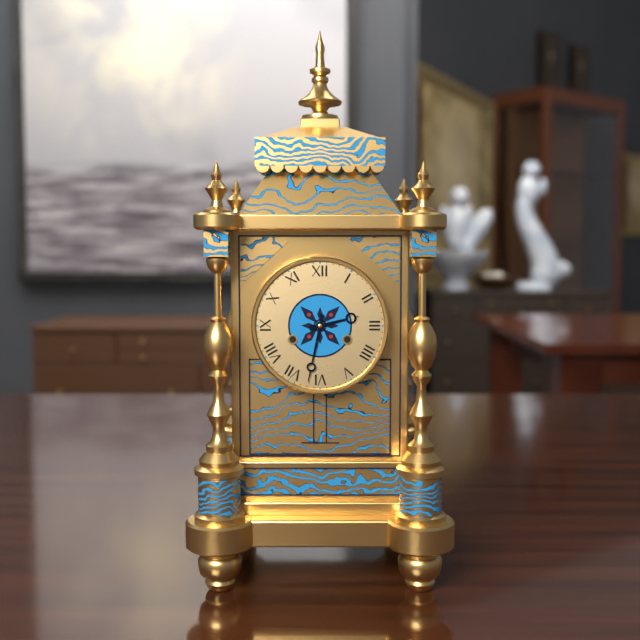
2:32
